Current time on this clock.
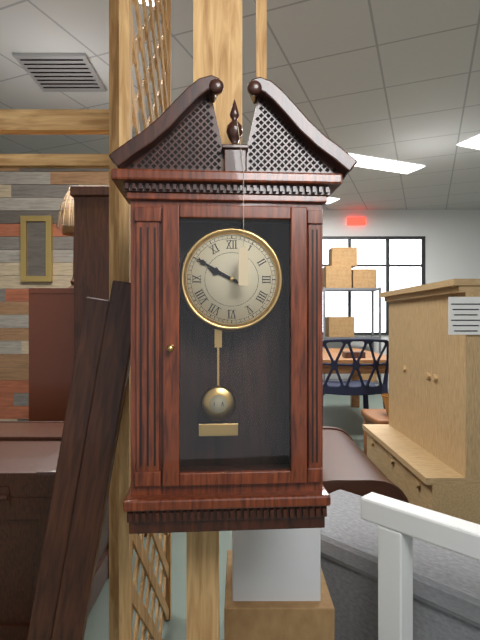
9:50
